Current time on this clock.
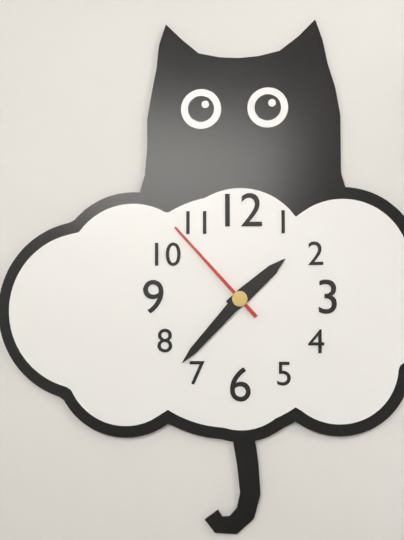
1:37:53
